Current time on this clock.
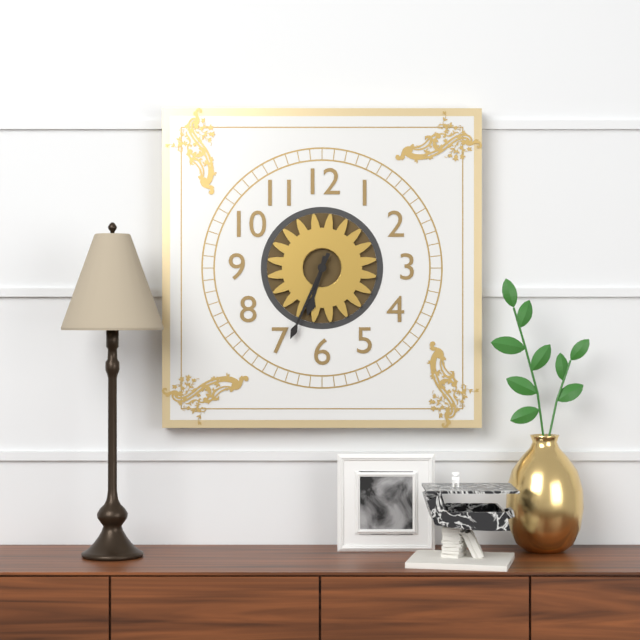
6:34
